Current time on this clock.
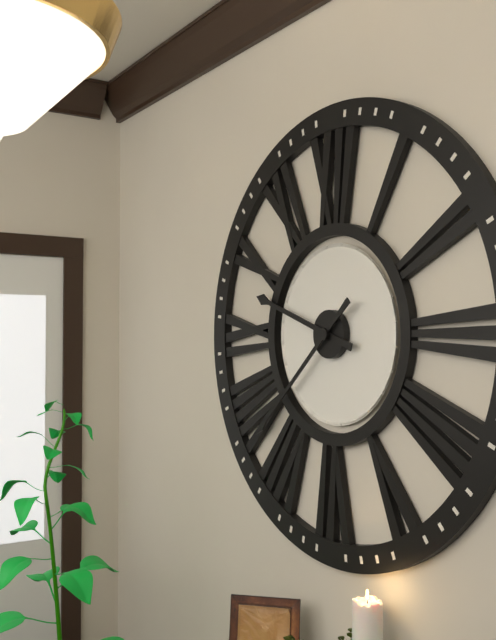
9:38
